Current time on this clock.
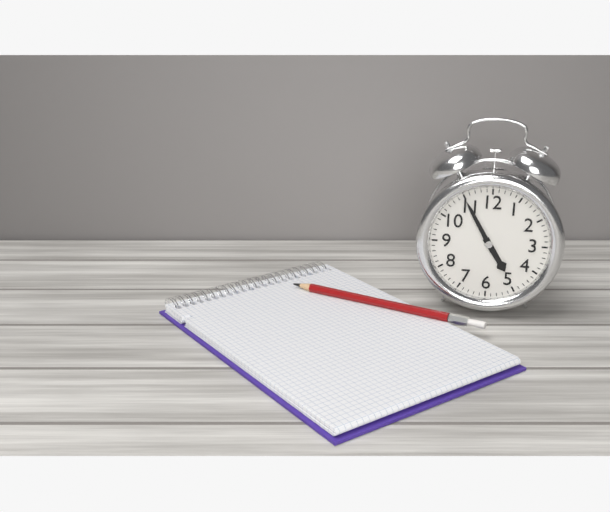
4:55
